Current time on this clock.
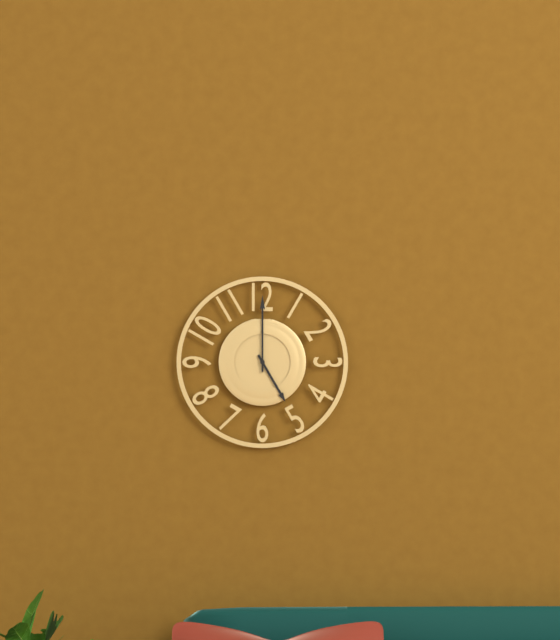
5:00
